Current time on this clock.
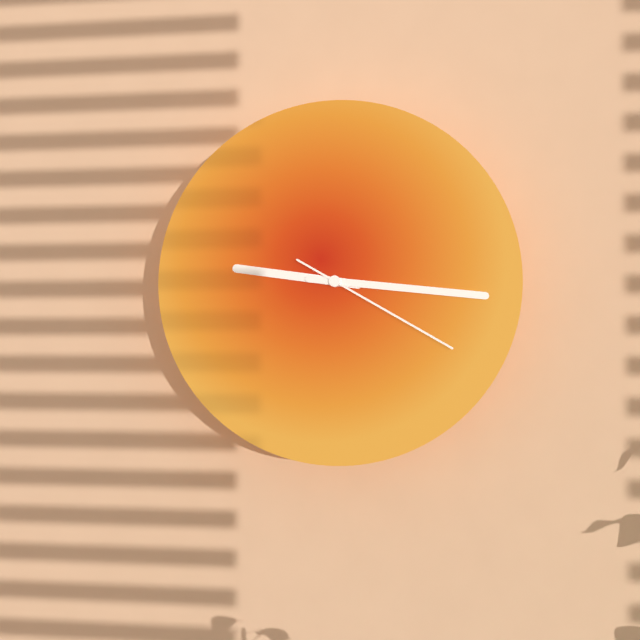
9:16:20
